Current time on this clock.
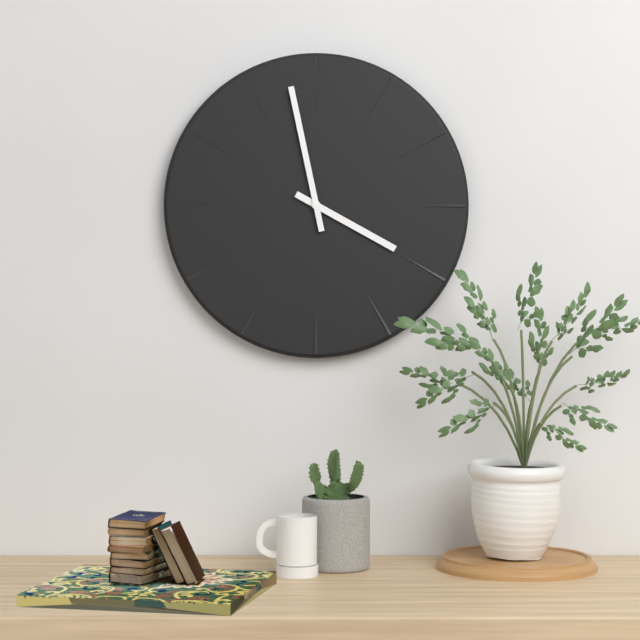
3:58
